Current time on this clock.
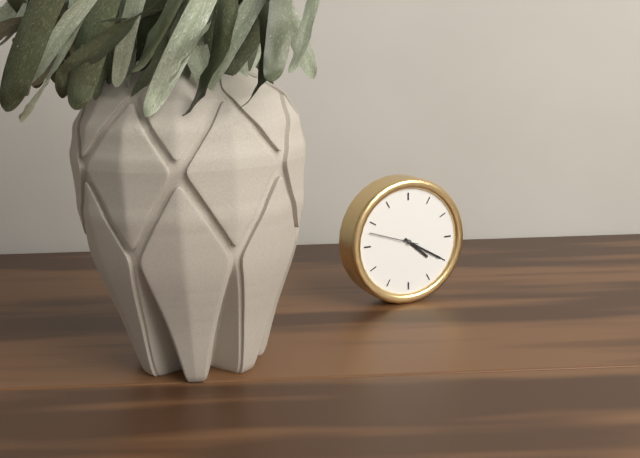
4:20:48
